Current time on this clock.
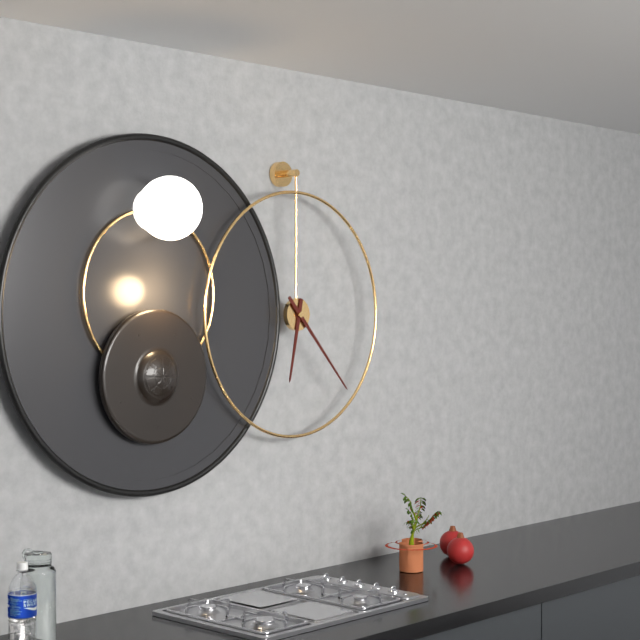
6:23
